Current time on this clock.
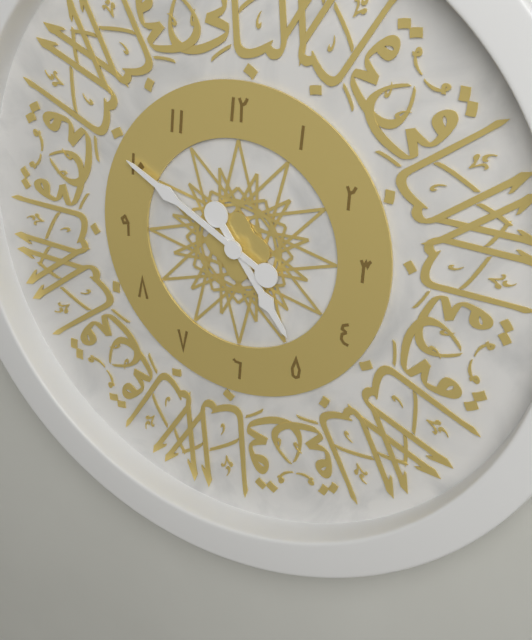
4:50
